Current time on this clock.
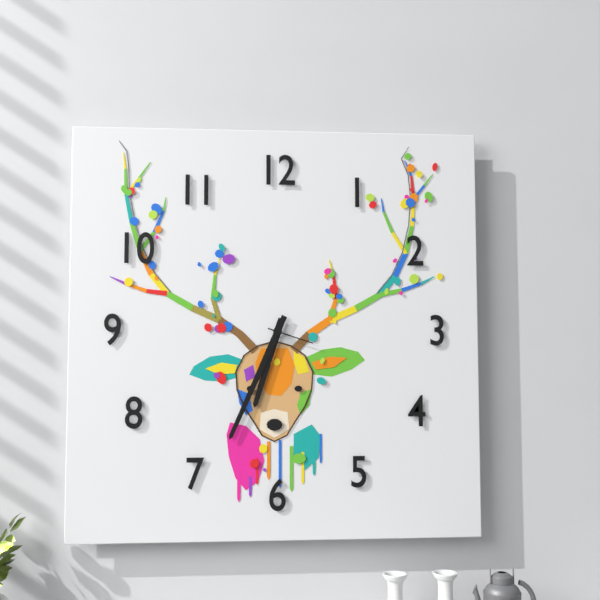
6:34
